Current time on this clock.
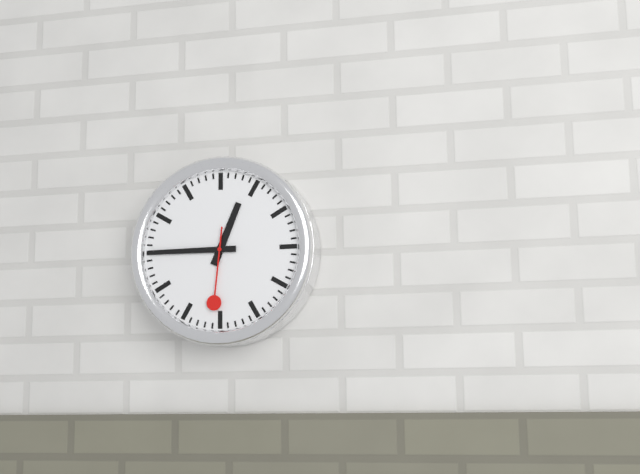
12:45:31
